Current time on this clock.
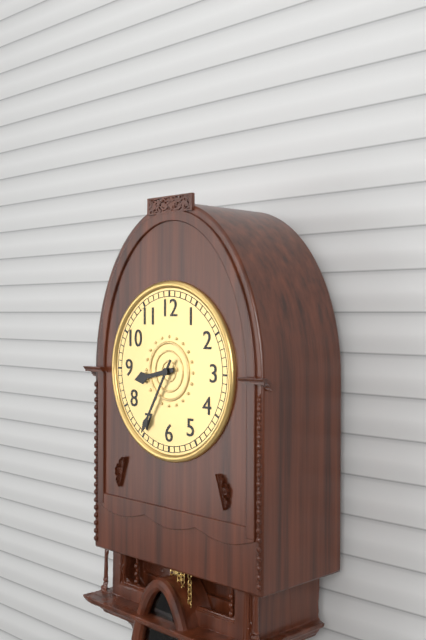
8:35
